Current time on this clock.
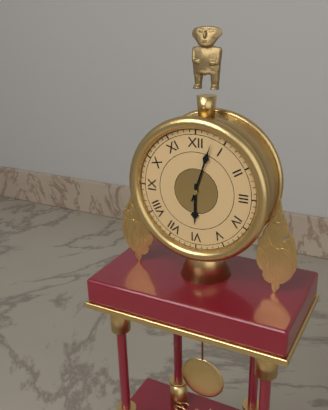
6:03
